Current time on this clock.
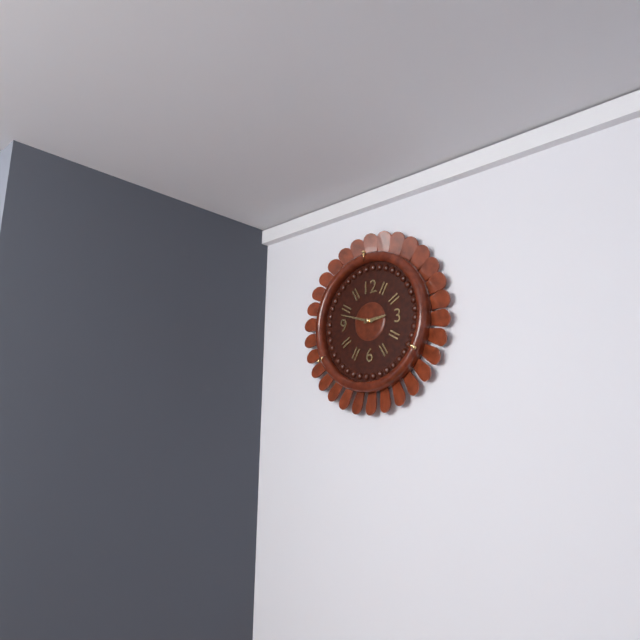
2:48
